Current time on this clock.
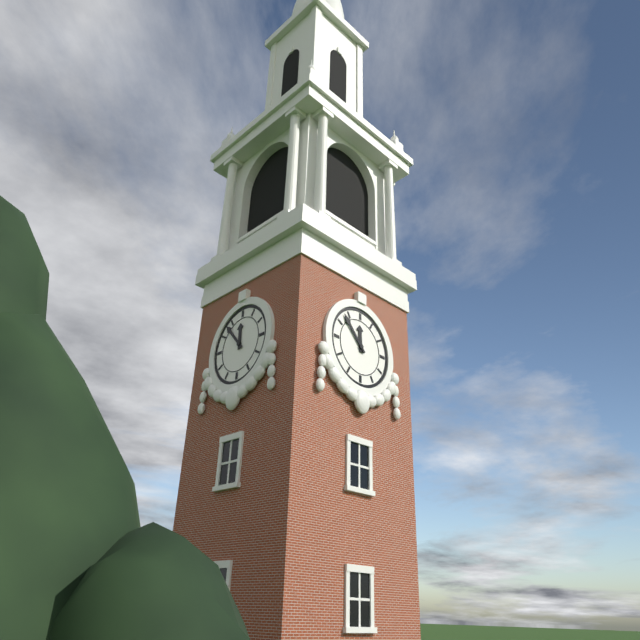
11:53
